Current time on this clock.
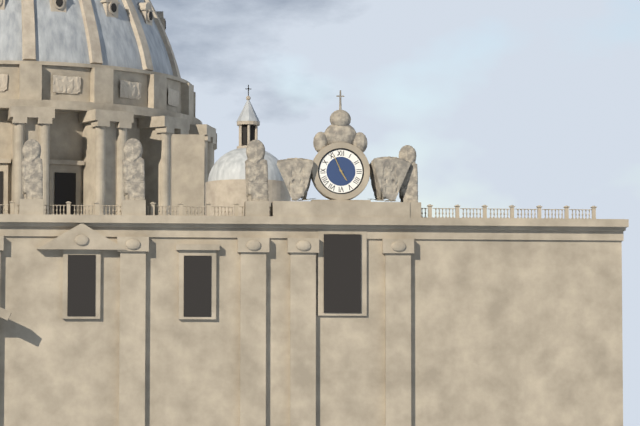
4:56
